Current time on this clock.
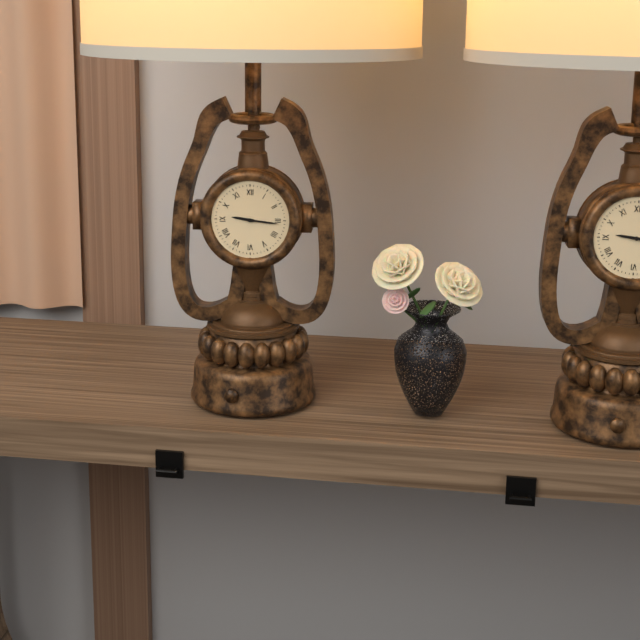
9:16
